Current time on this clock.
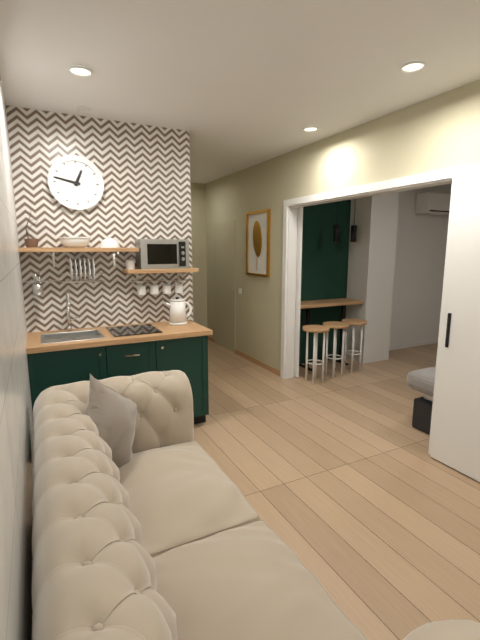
12:47
